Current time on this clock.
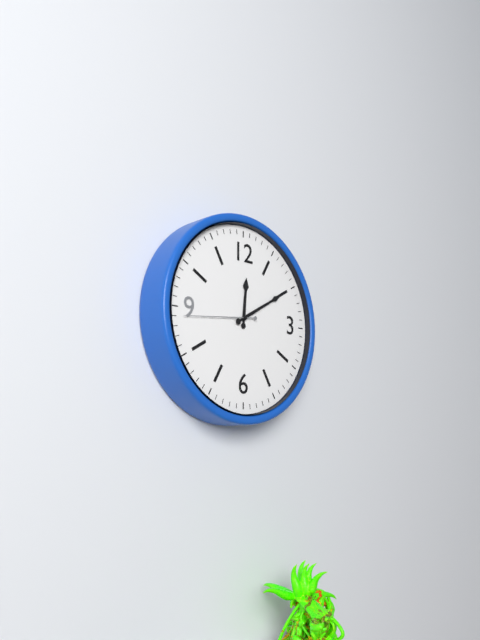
12:10:44
